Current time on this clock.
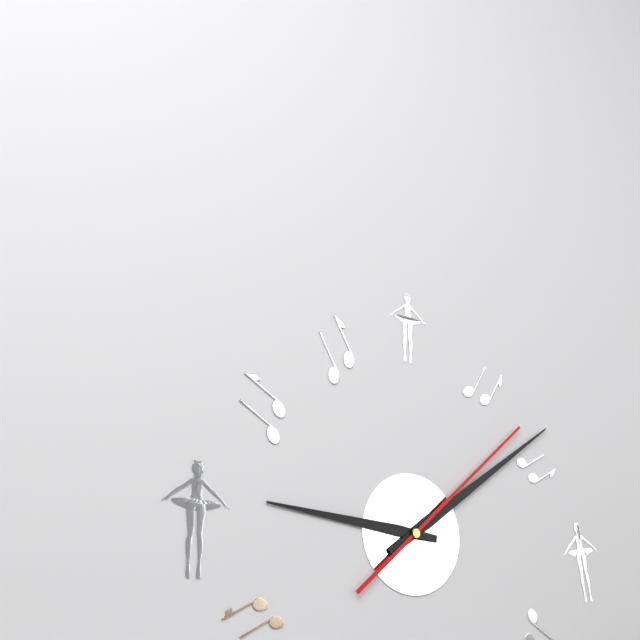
9:09:08
